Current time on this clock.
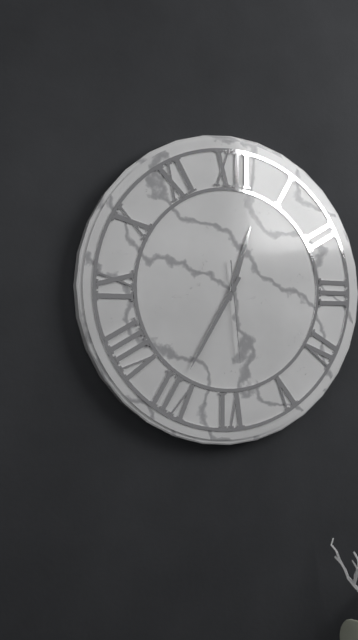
12:35:29
